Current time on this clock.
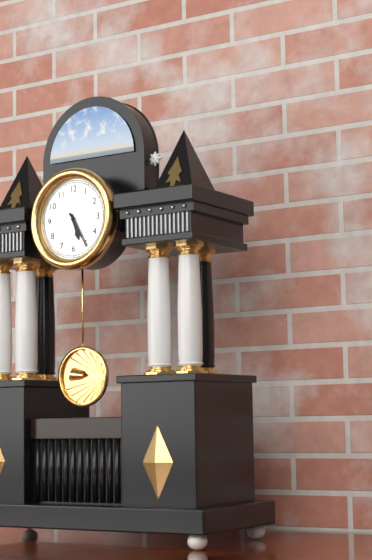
5:25
